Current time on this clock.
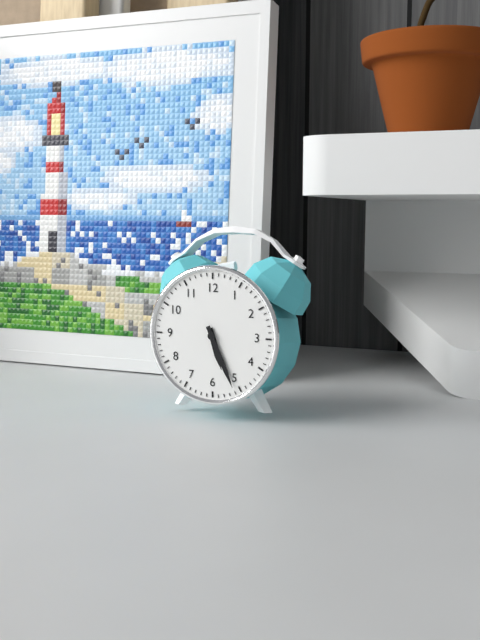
5:26
